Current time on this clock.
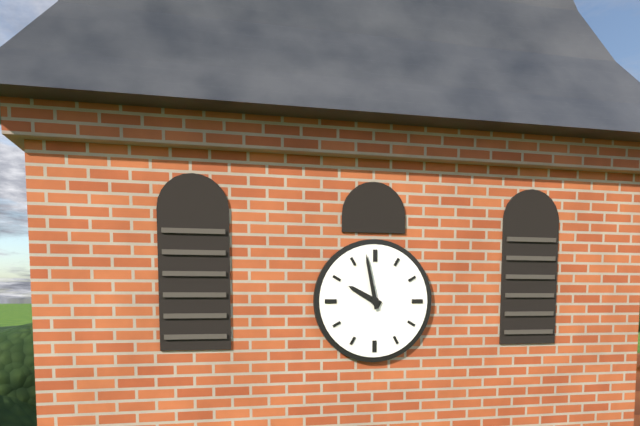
9:58
